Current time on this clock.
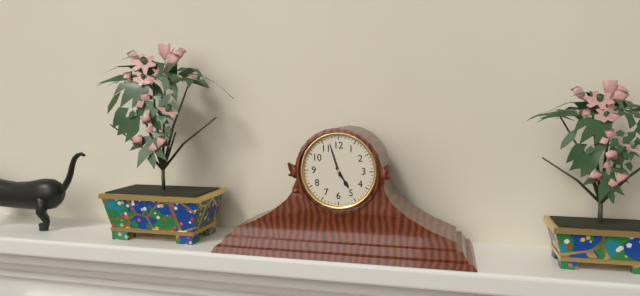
4:57
